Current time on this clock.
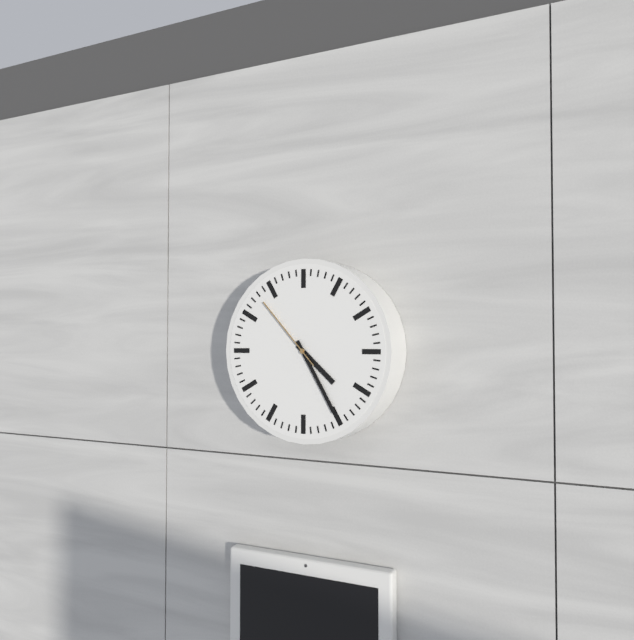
4:25:53
